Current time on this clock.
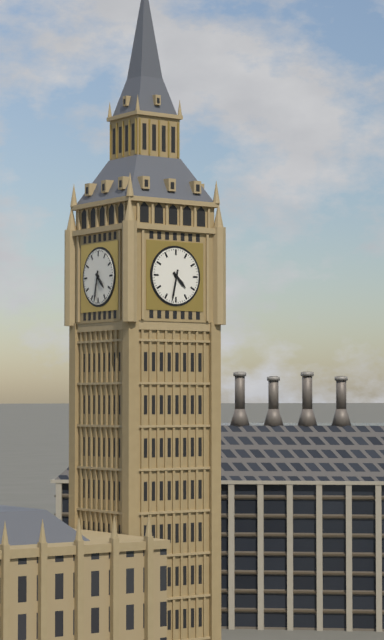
4:32
